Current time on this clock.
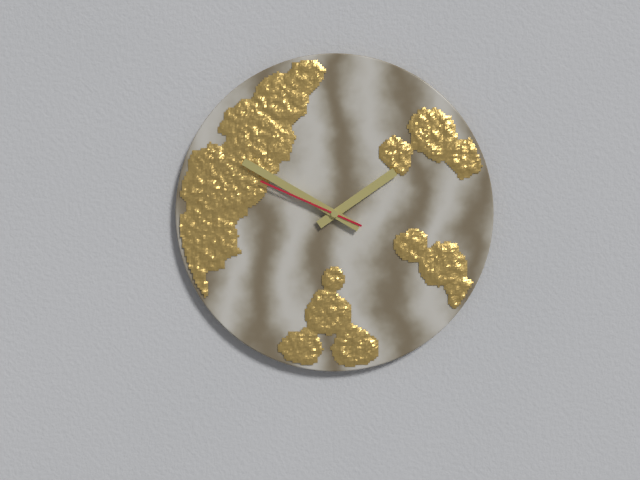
1:50:49
